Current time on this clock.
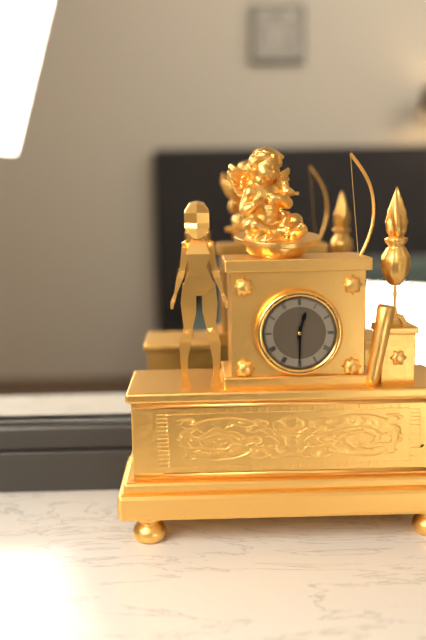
12:30
